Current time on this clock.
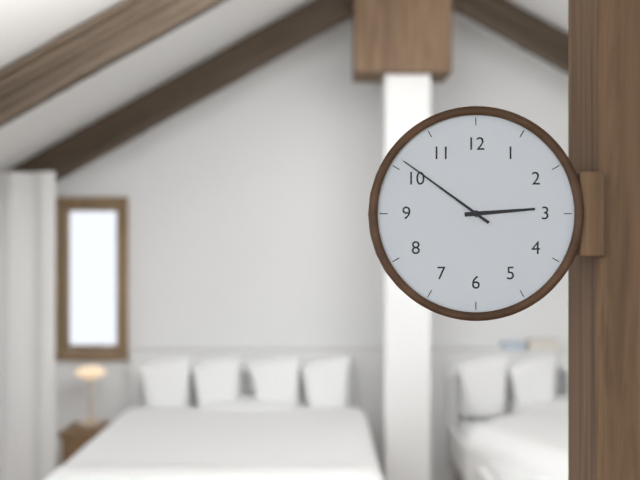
2:51
